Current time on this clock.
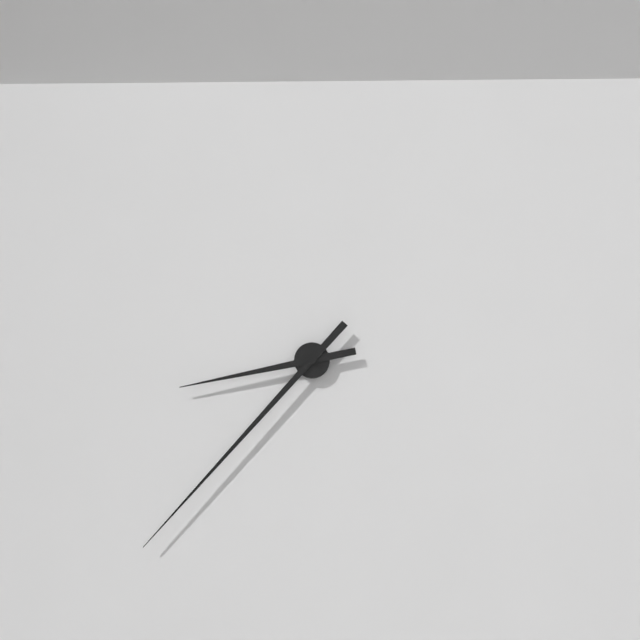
8:37
